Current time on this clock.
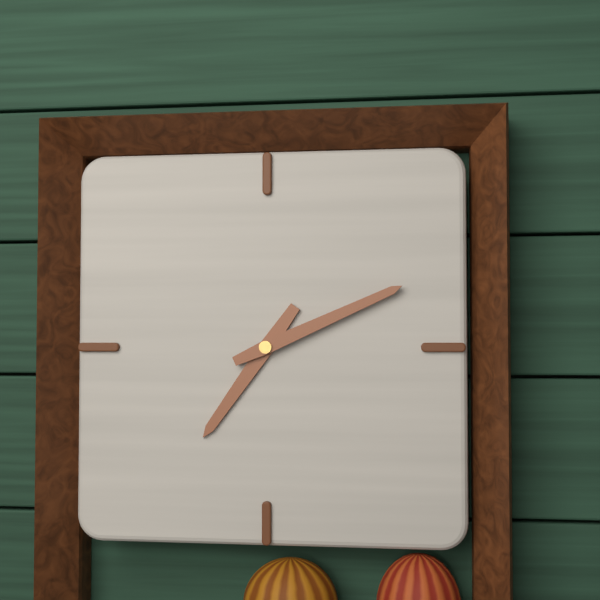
7:11
